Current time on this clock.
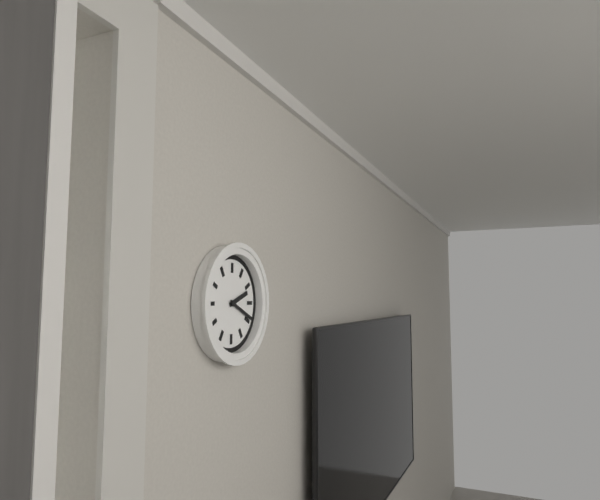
2:19
